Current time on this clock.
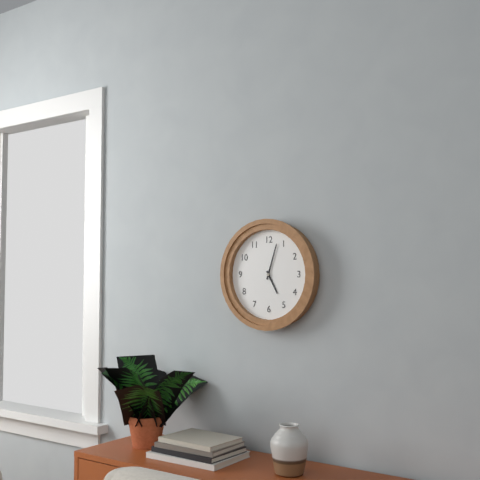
5:03
